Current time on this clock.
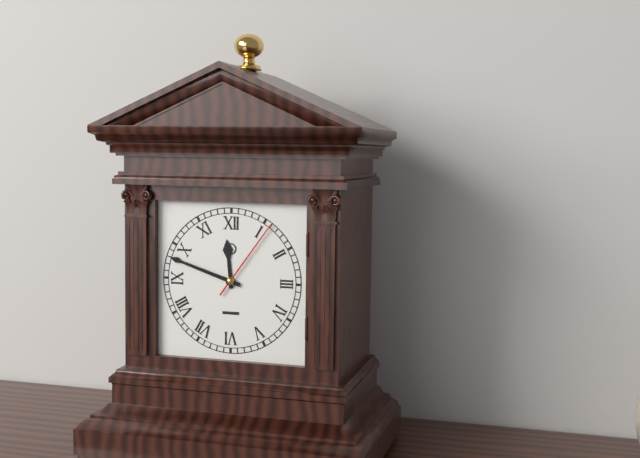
11:48:06
